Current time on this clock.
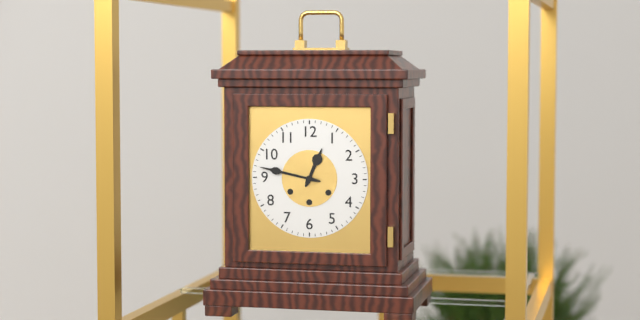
12:47
